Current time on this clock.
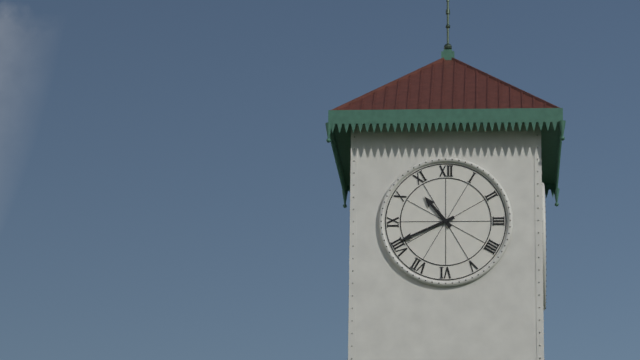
10:41
